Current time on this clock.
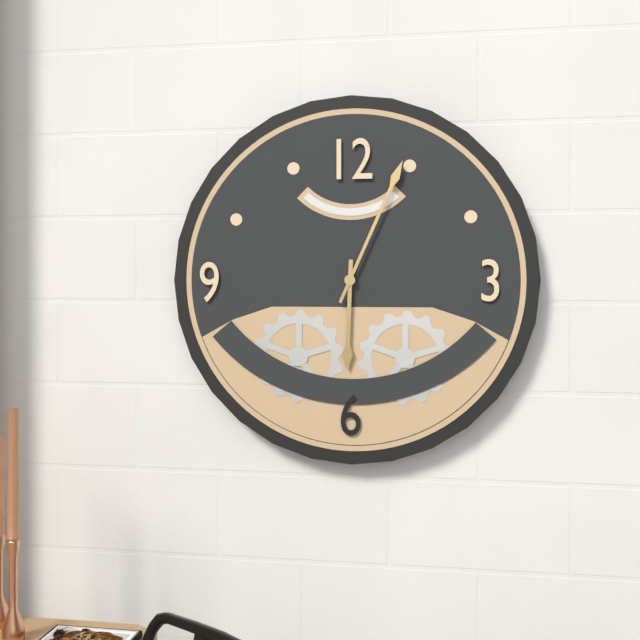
6:04
